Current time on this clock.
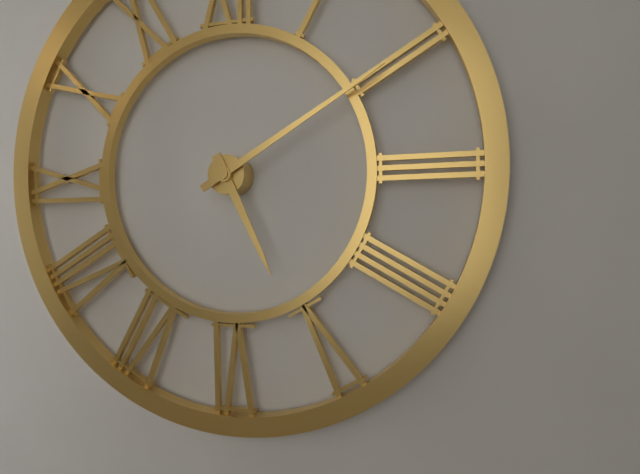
5:10
